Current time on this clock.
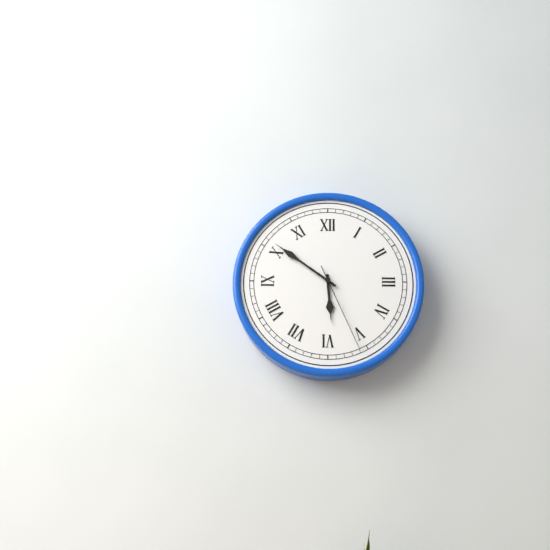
5:51:26
